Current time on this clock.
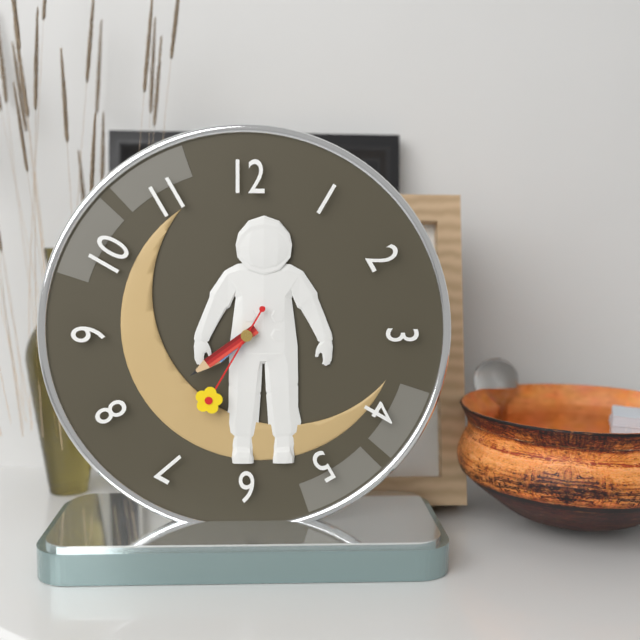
7:39:35
